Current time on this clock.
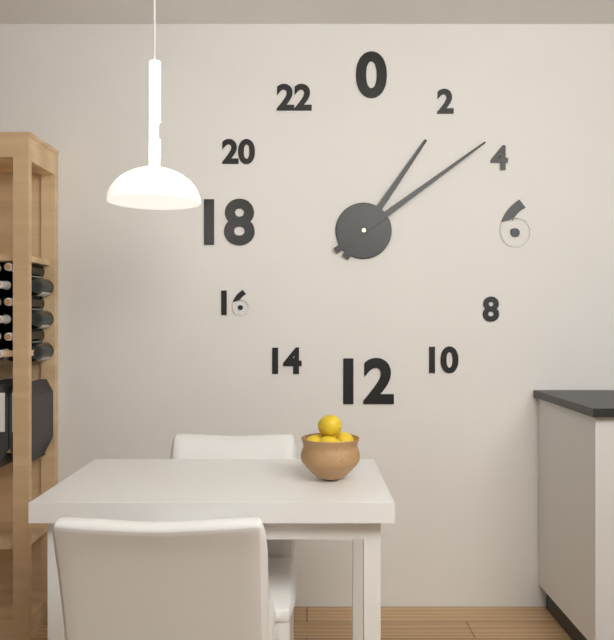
1:09
